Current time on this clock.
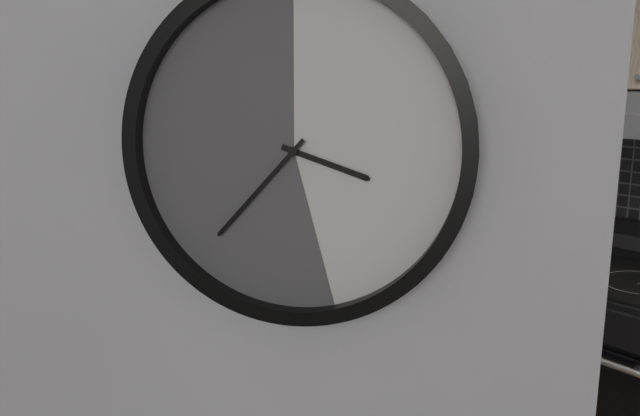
3:37
